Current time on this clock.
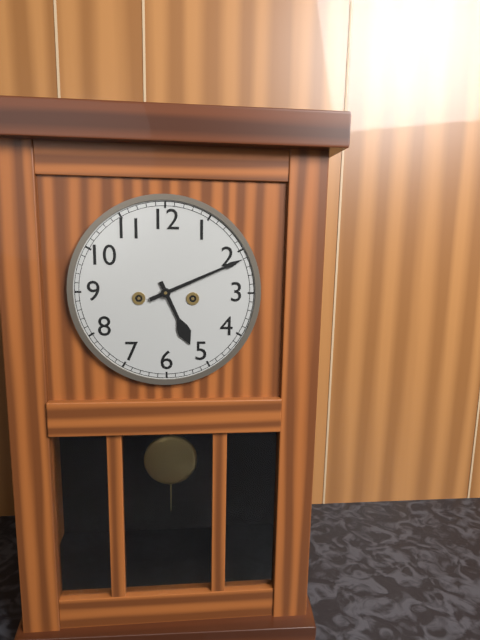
5:11
